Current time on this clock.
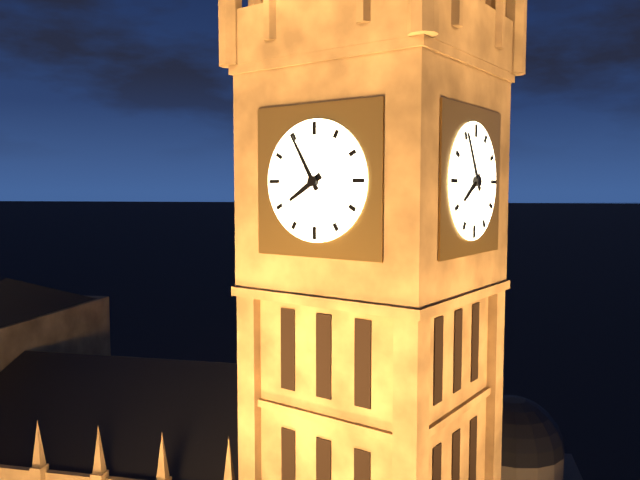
7:55
